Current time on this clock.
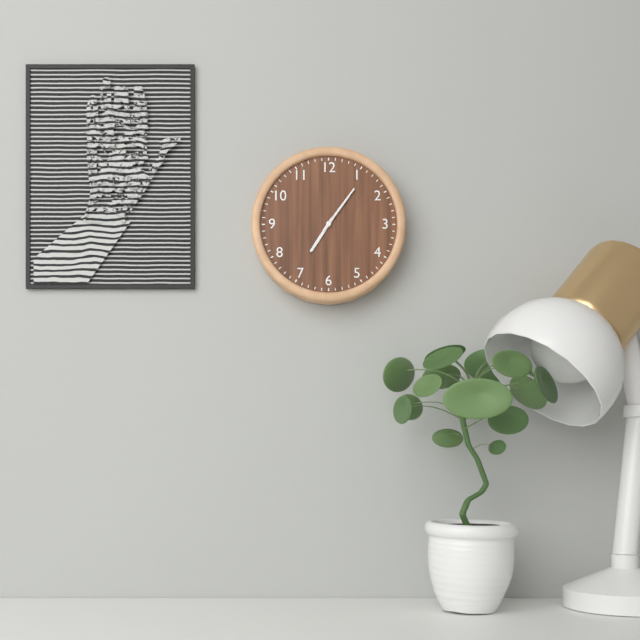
7:06
